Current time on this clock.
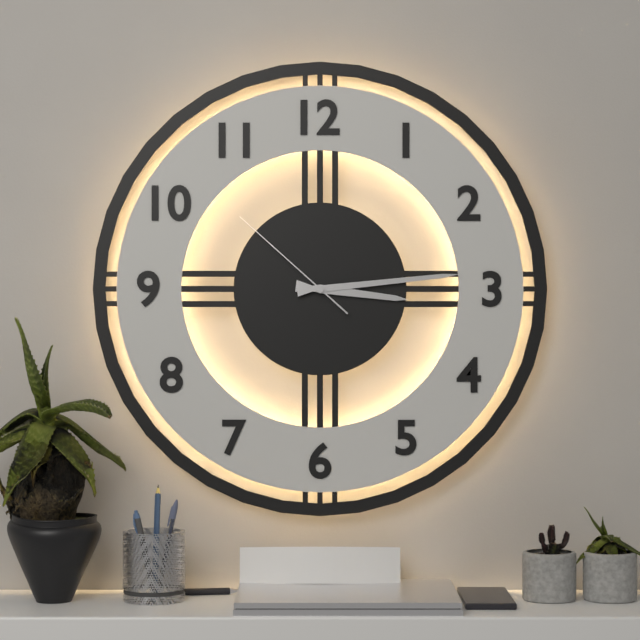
3:14:52
